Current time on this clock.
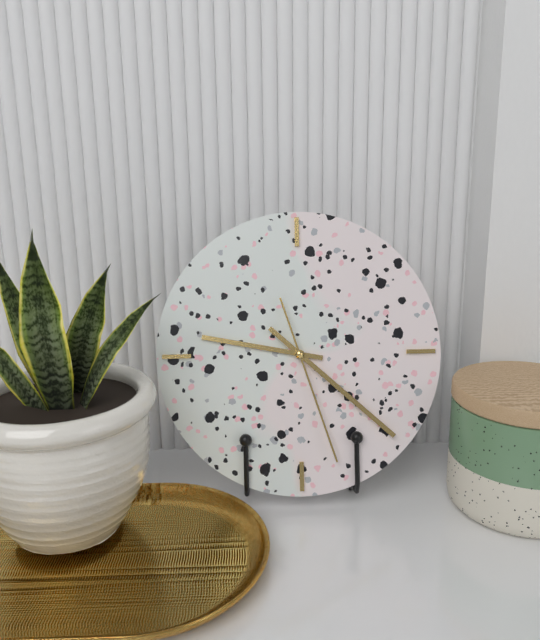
9:22:27
